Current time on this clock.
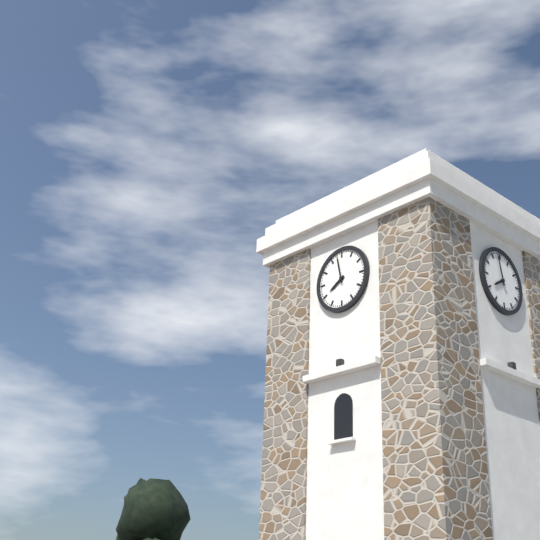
7:58
